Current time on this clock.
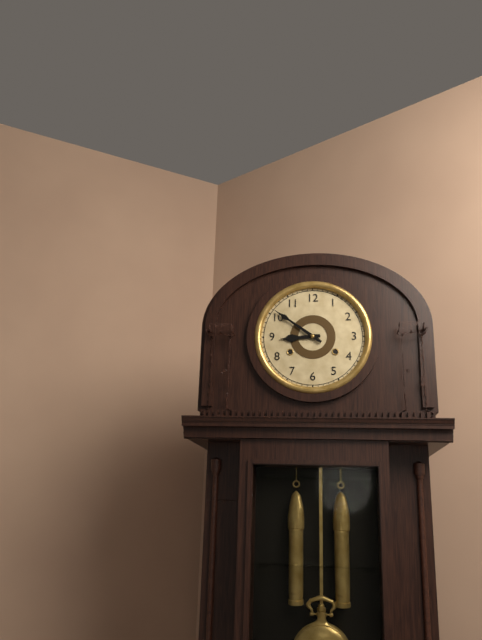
8:51
